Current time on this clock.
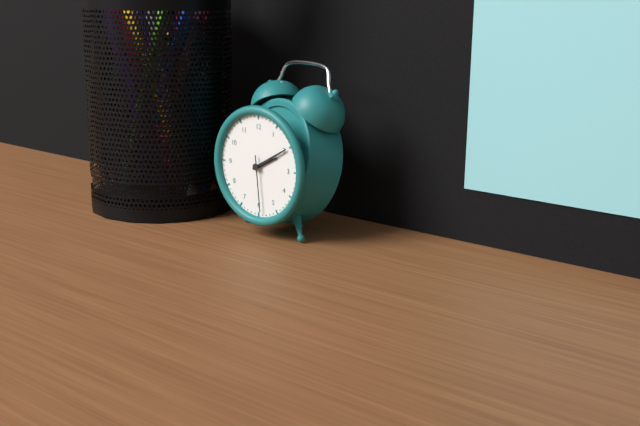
2:10:29
